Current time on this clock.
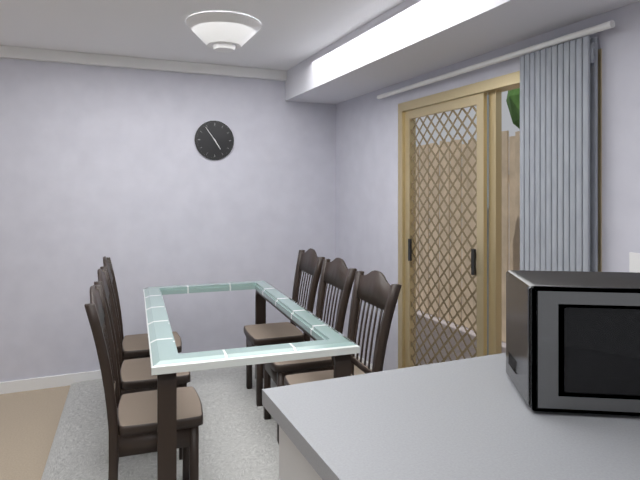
4:54
